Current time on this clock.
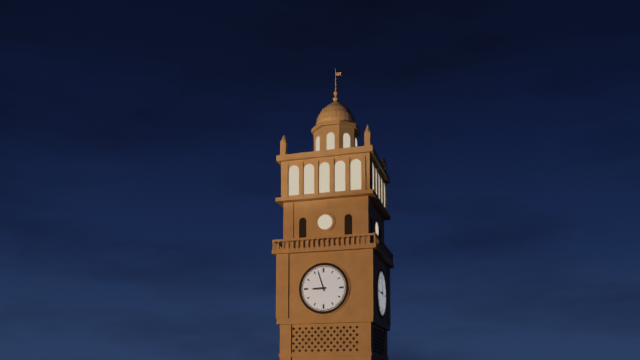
8:57
